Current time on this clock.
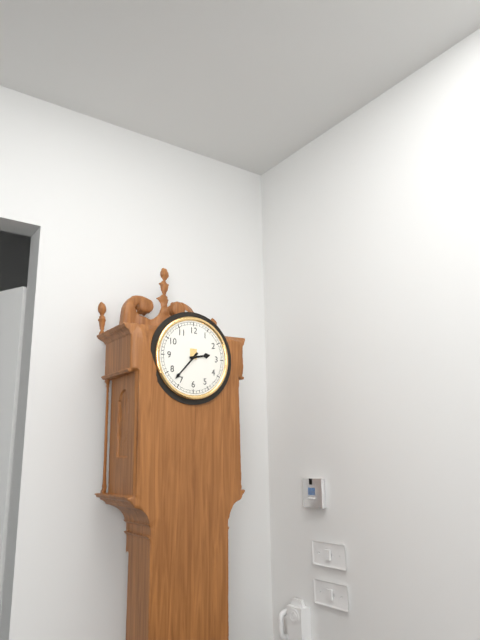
2:37
